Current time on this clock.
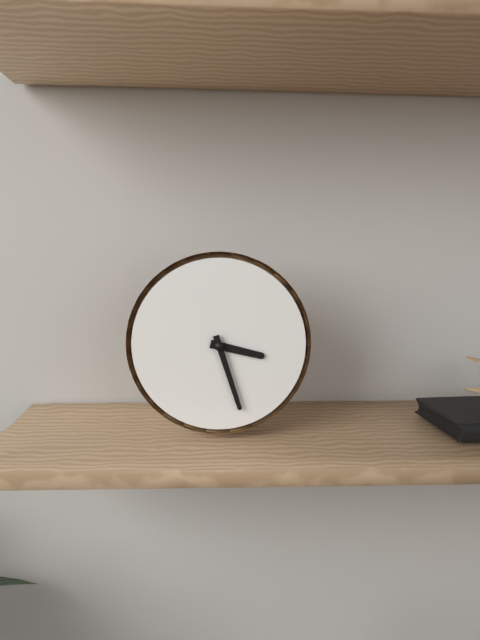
3:27
